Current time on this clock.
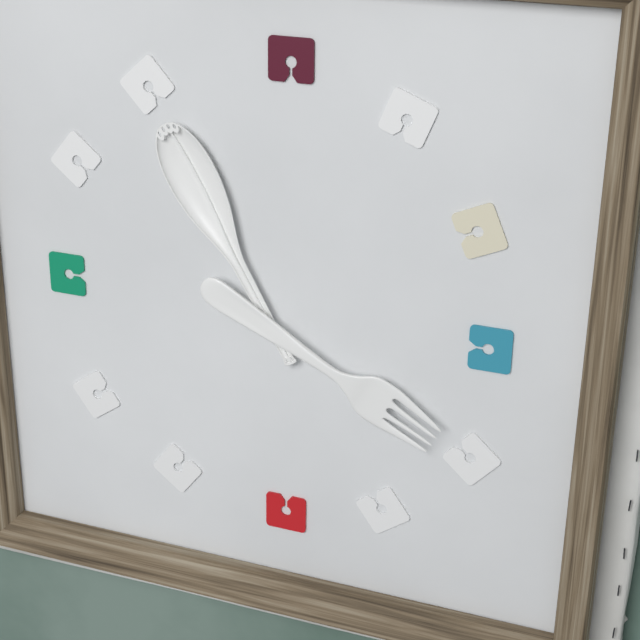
3:55
